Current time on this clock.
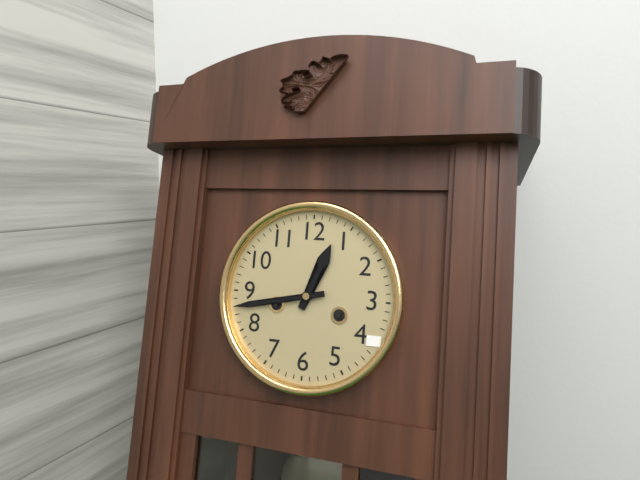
12:43
